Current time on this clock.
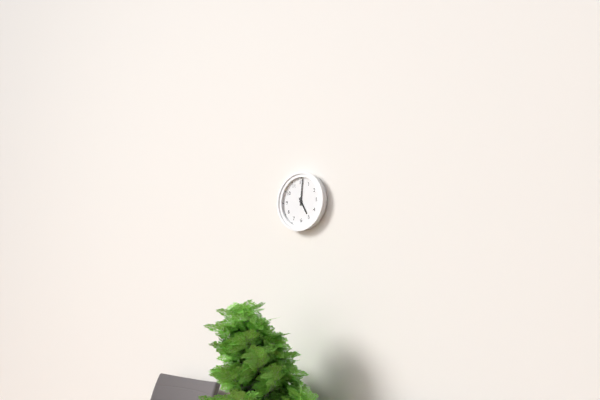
5:01
